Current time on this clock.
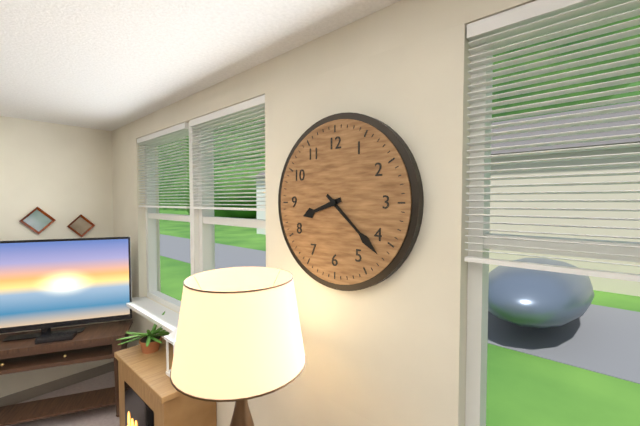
8:22
